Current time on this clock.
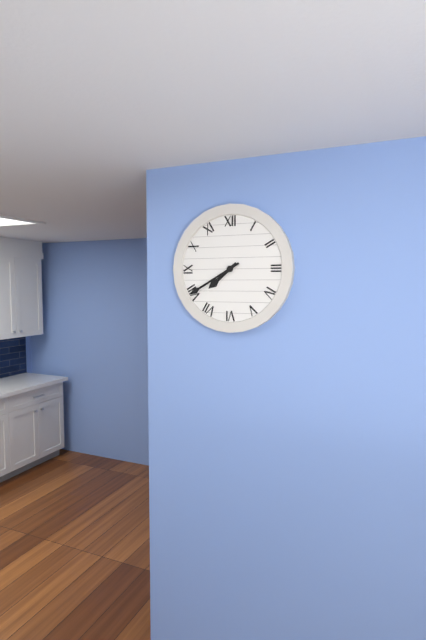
7:40
